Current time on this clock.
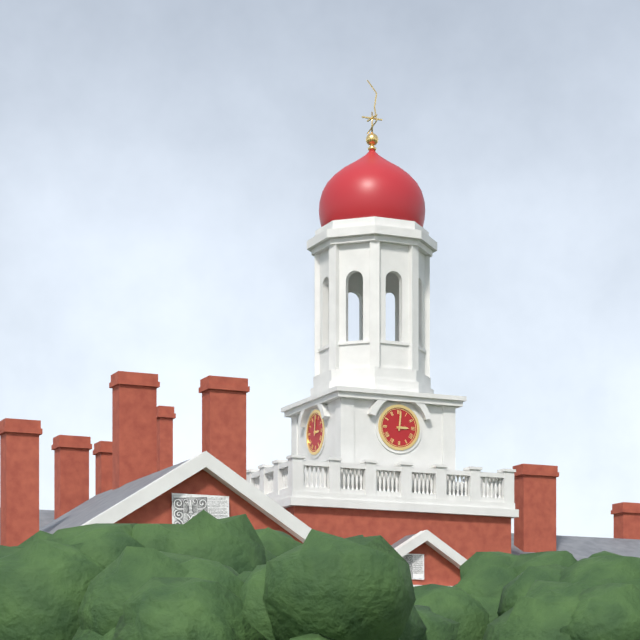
3:01
